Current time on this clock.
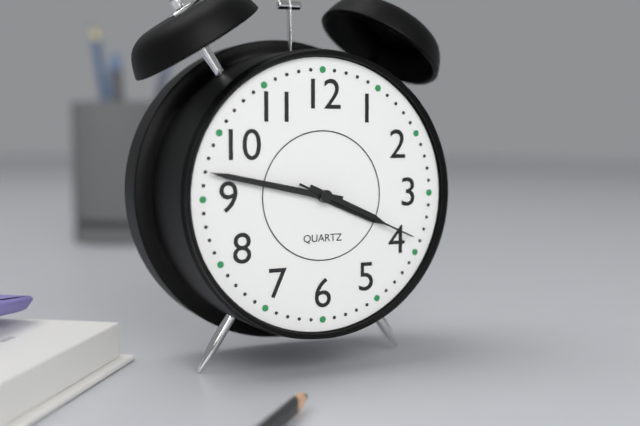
3:47:19
